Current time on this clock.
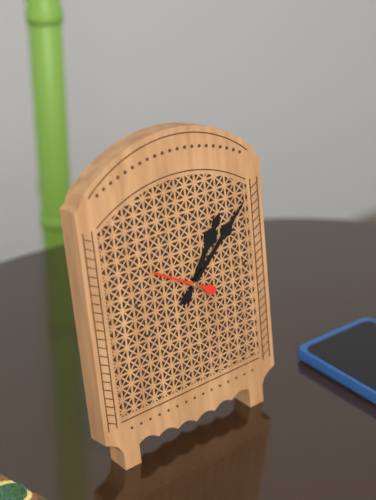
1:08:50
